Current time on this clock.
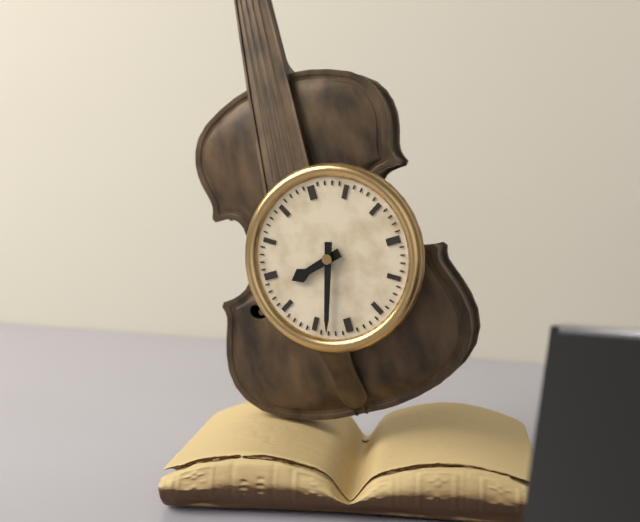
8:33
